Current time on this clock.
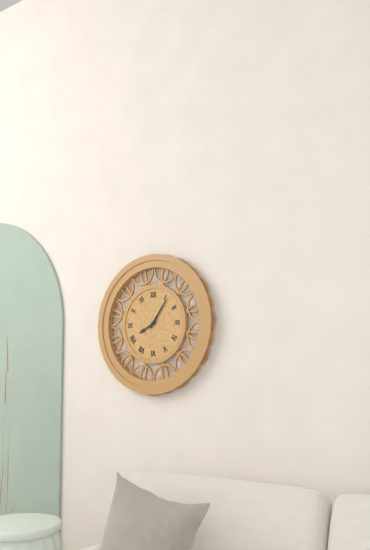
8:06
